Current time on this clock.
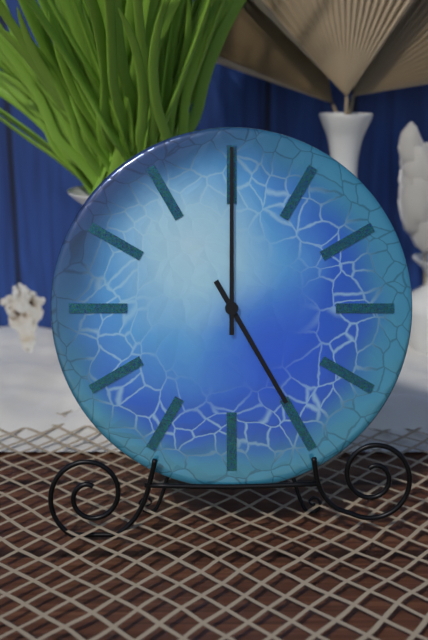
5:00
